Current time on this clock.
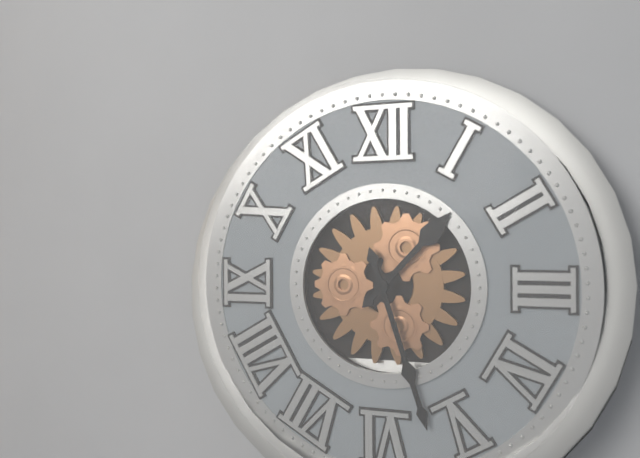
1:27
